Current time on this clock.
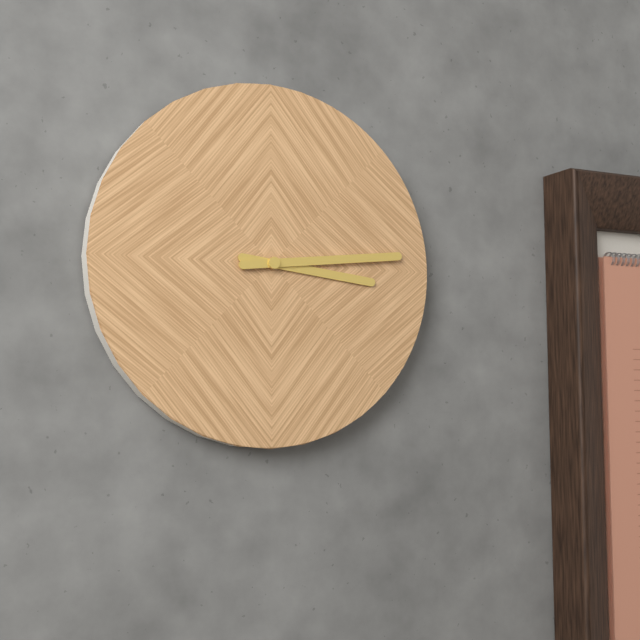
3:14
